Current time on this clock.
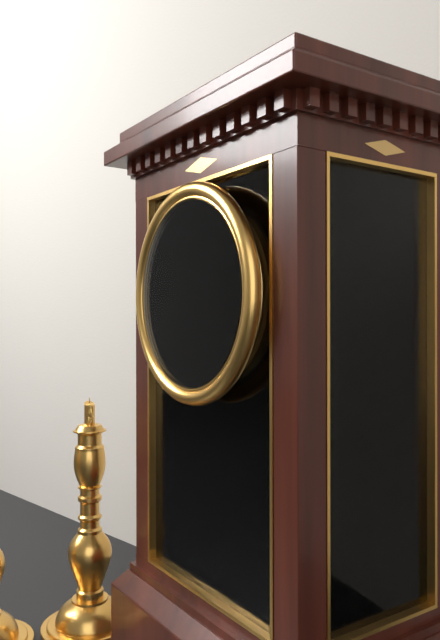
11:11
